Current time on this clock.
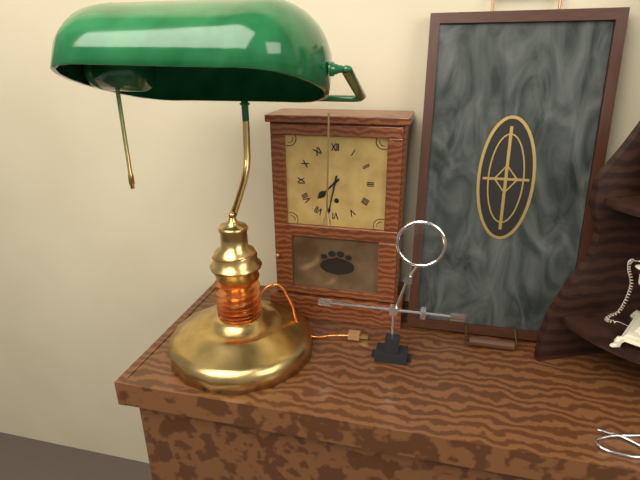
7:32
